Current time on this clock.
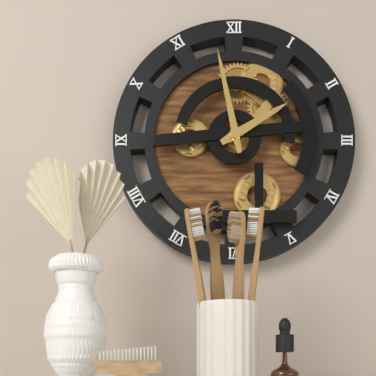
1:58
